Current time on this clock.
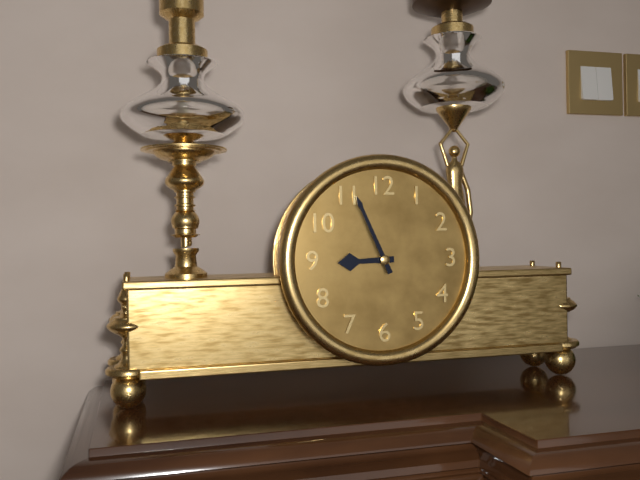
8:56
